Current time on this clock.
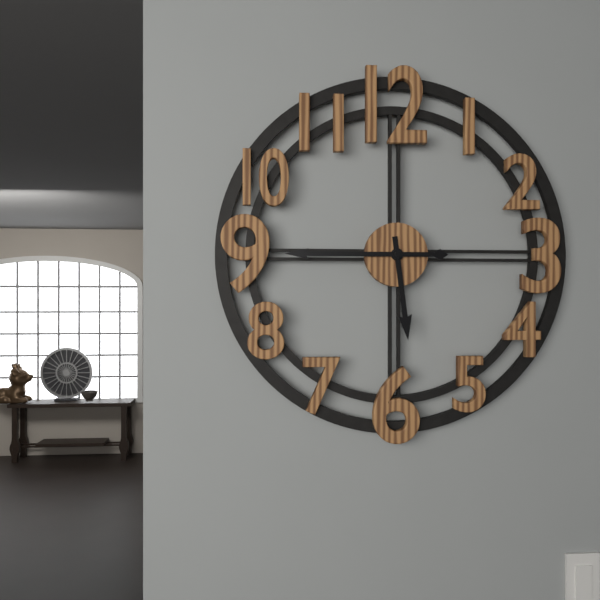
5:45
